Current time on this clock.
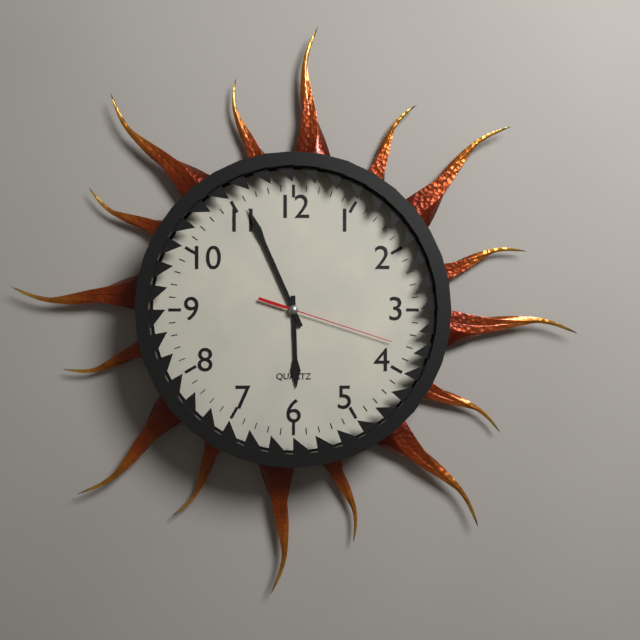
5:56:18
